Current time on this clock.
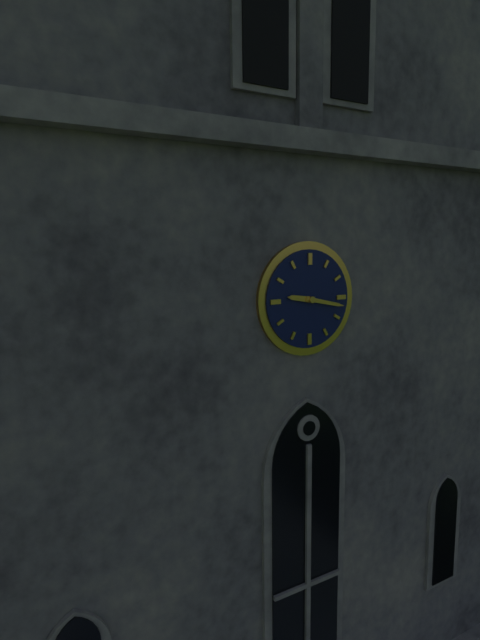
9:17
